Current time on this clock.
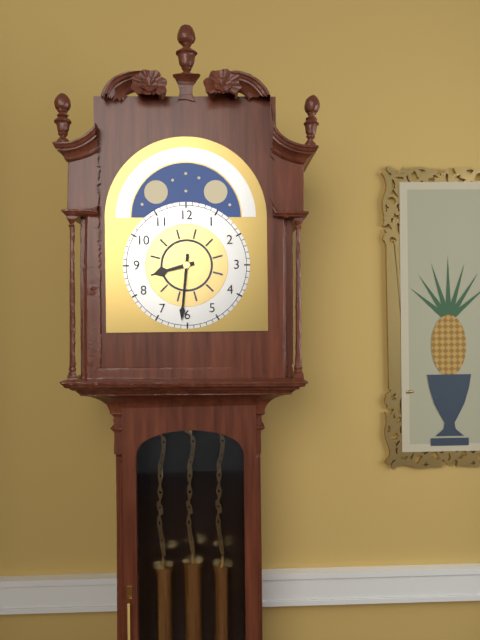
8:31
